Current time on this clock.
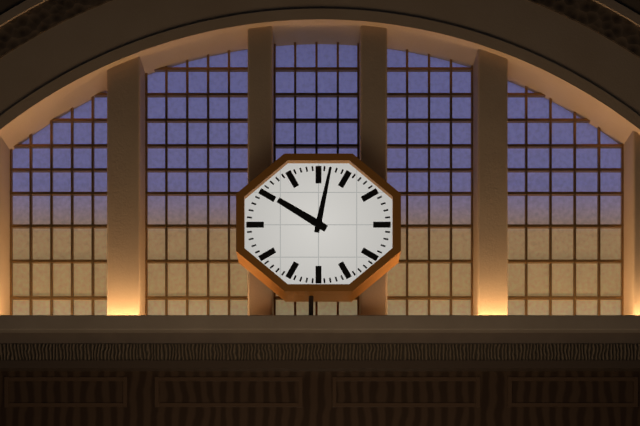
10:02
